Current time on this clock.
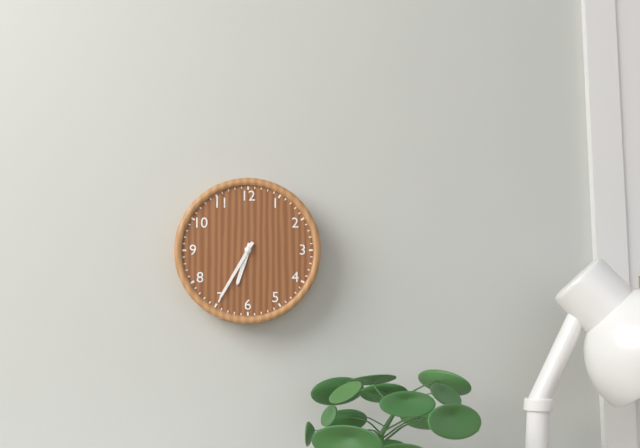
6:35
